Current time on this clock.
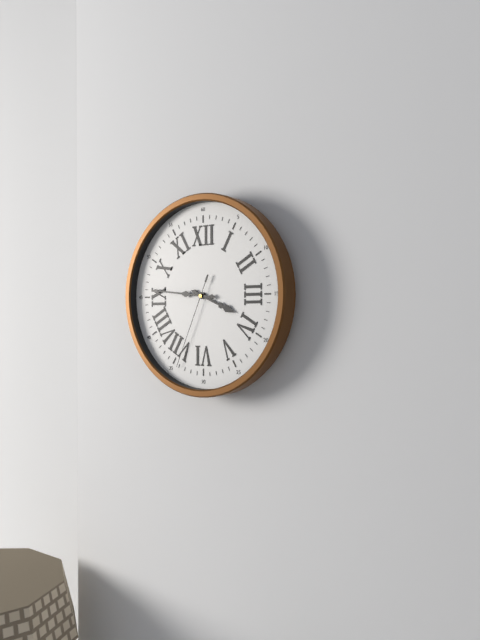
3:46:34
